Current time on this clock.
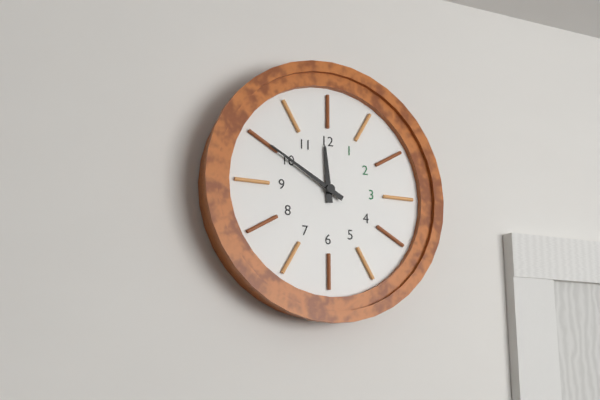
11:50
